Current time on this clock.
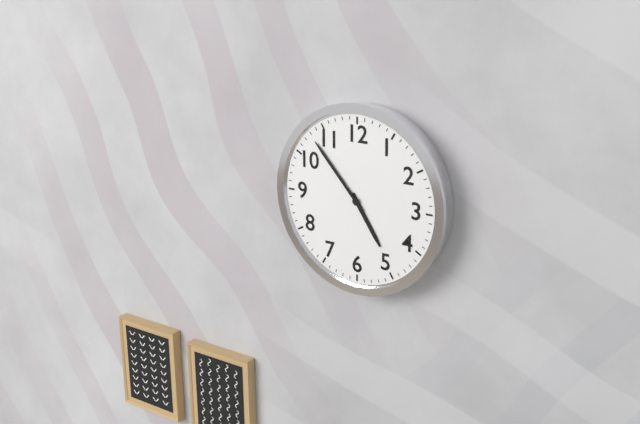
4:53
